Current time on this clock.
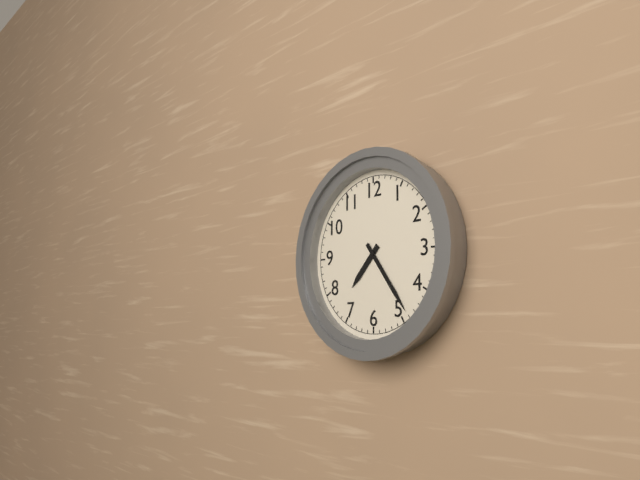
7:24
